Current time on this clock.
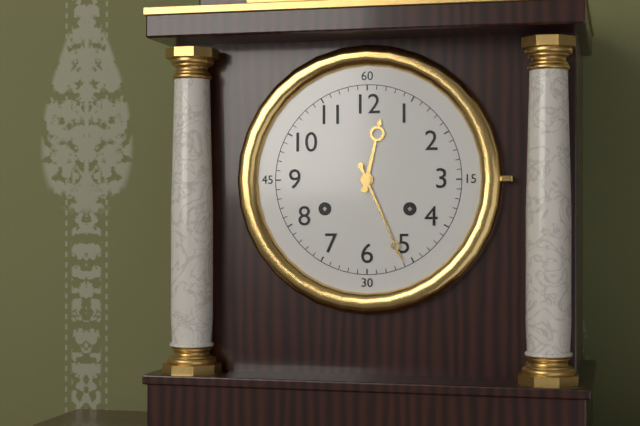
12:26
